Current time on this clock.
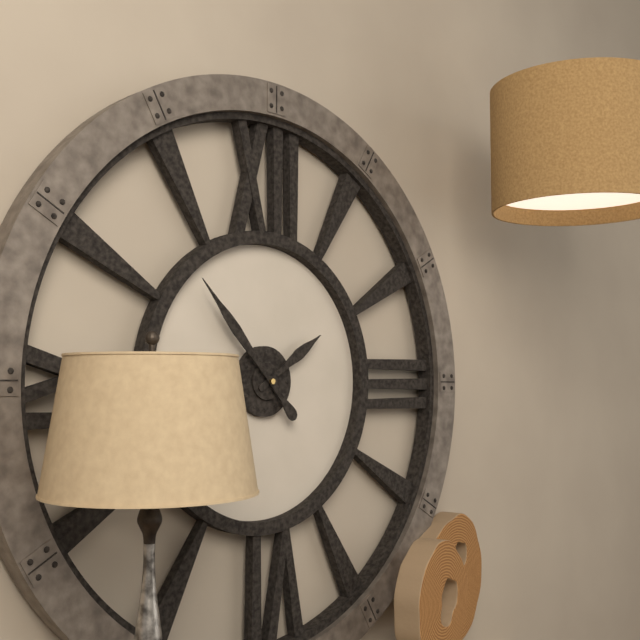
1:53
